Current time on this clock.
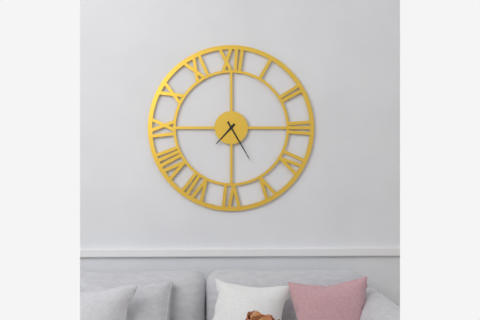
7:25
